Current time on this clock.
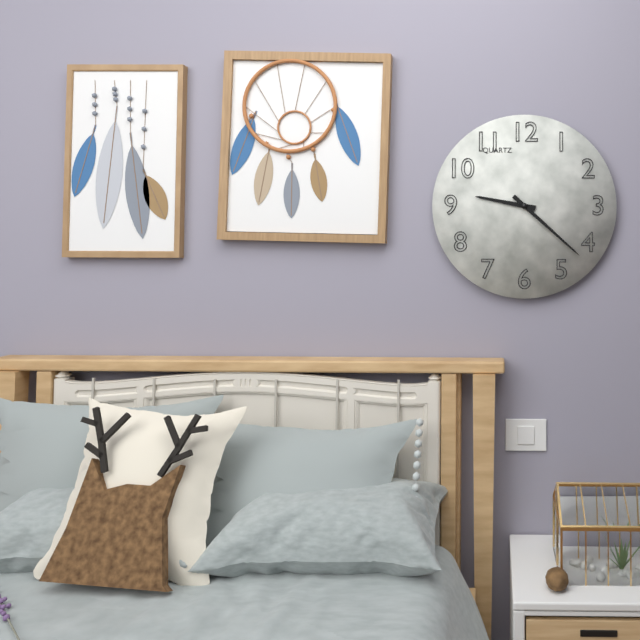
9:22
